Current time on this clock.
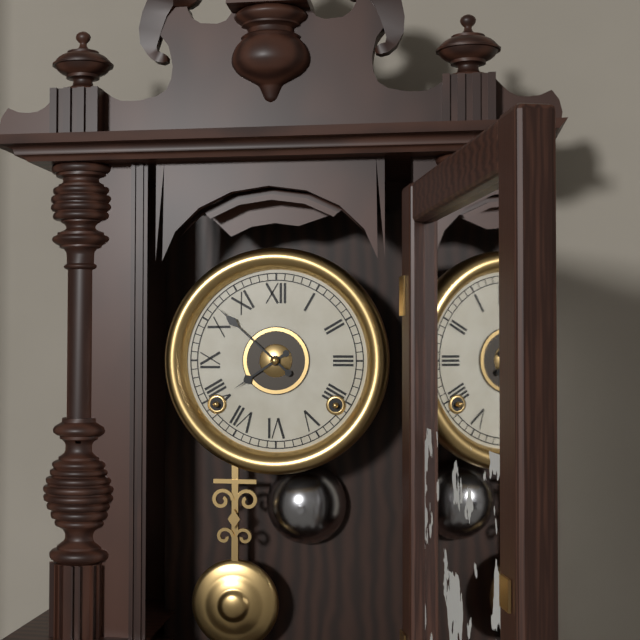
7:52
